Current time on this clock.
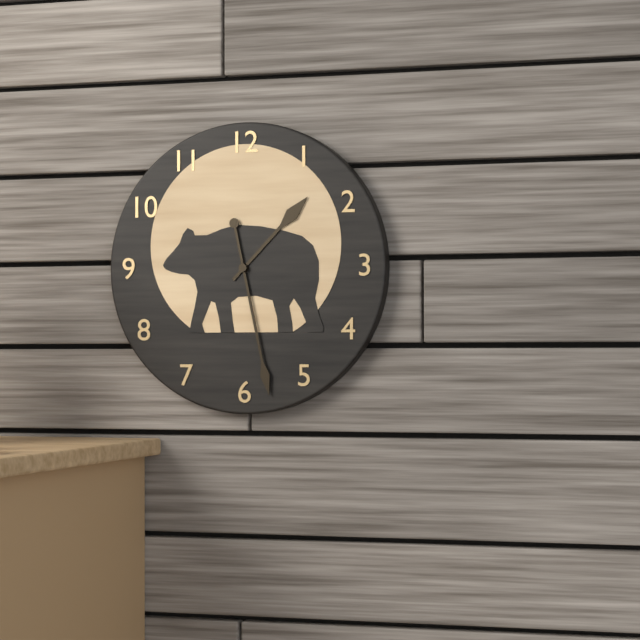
1:28
